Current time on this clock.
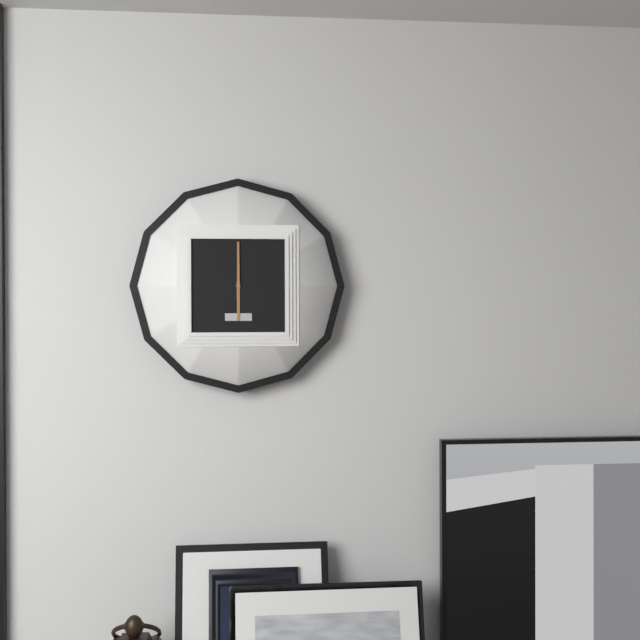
6:00
